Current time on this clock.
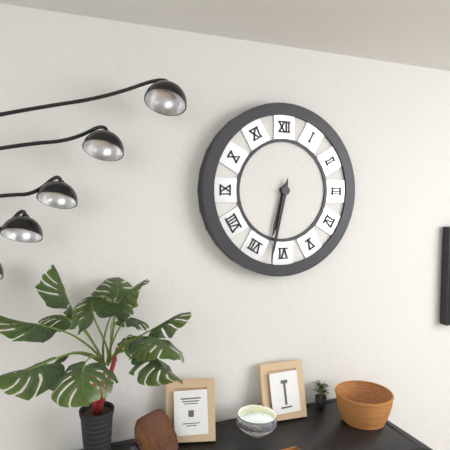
6:32
